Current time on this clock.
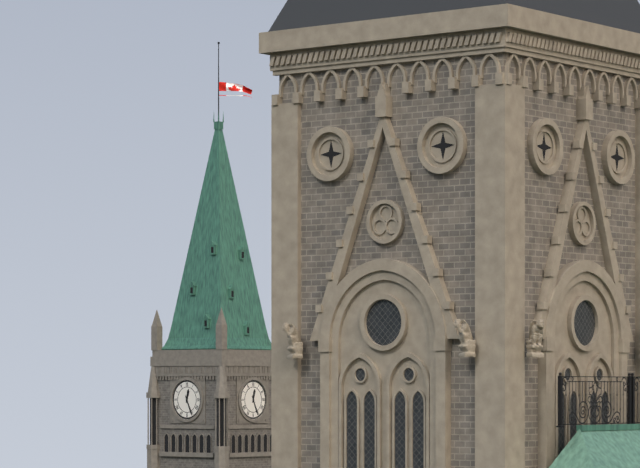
12:26
